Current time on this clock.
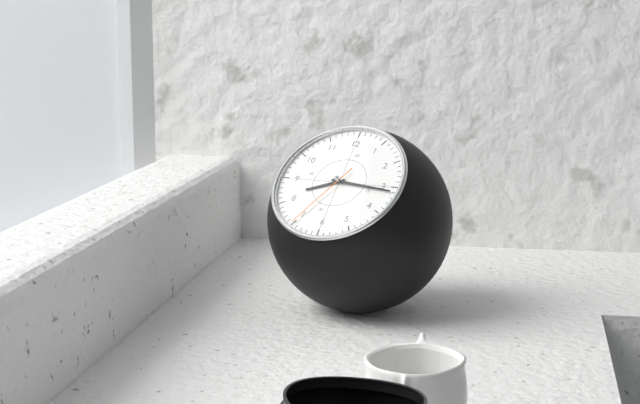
8:16:35
